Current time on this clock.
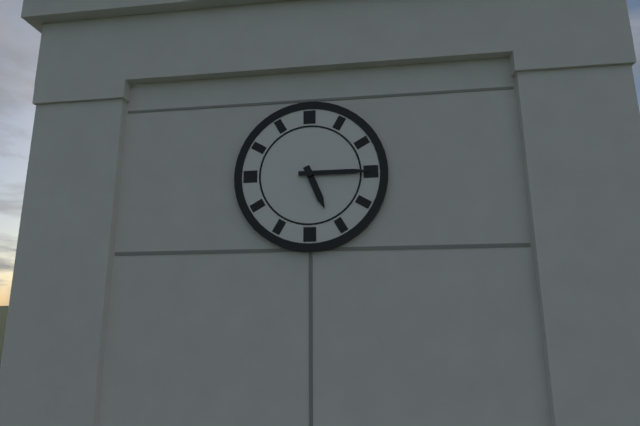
5:15
